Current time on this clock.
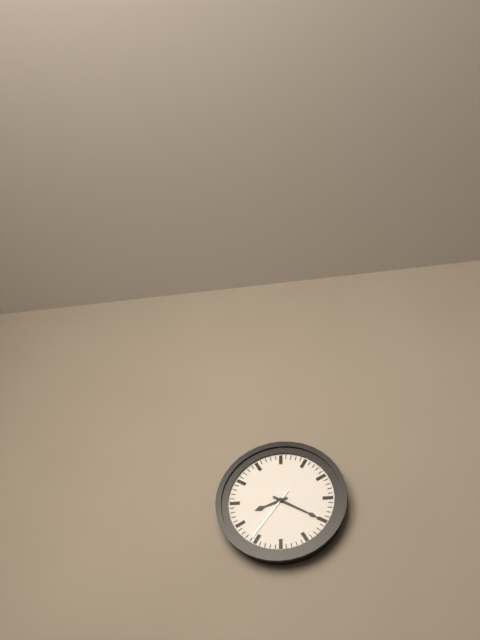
8:20:36
